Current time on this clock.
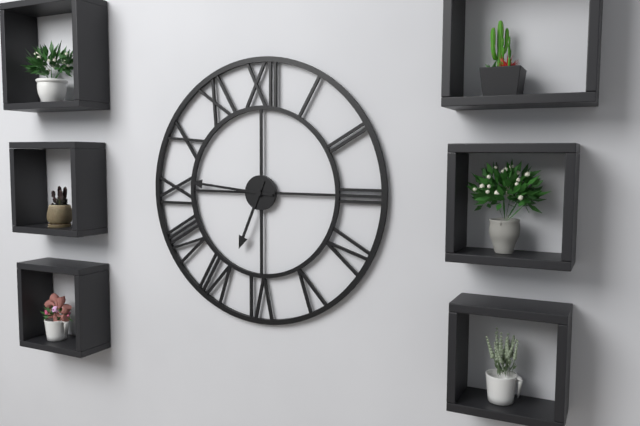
6:46
